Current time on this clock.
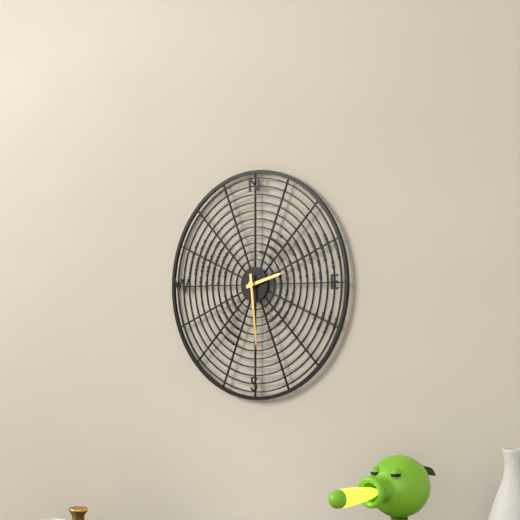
2:29
